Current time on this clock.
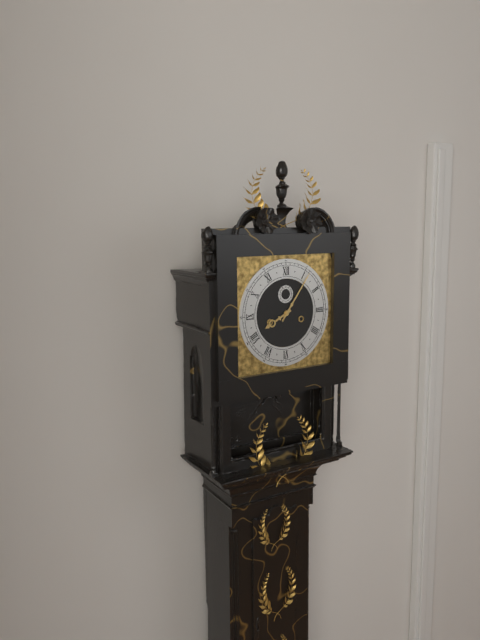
8:06
